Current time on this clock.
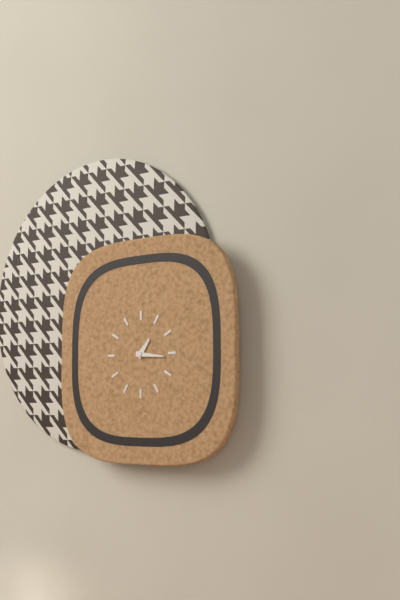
1:16
